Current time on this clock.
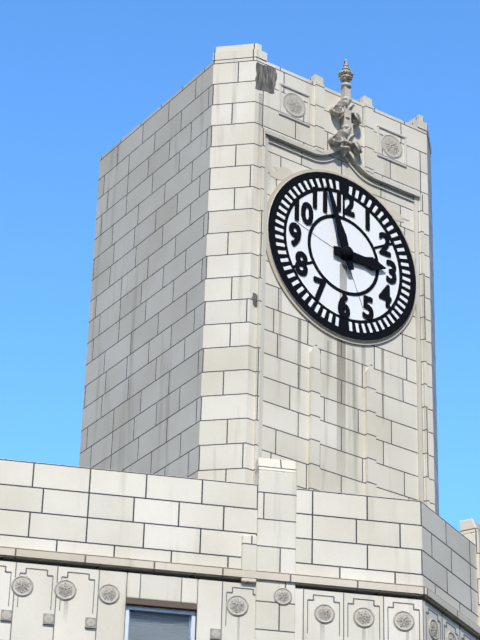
2:57
